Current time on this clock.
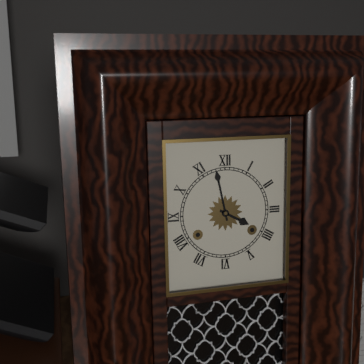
3:58
